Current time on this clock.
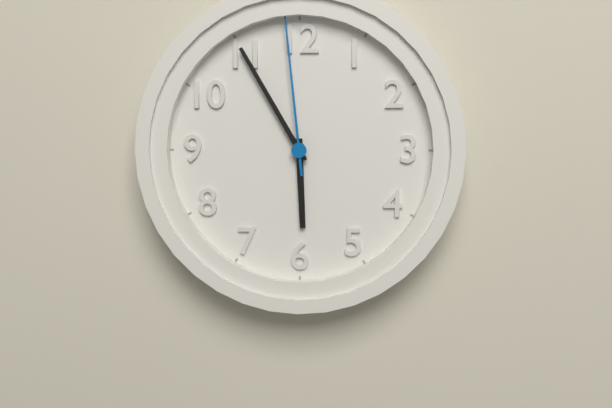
5:55:59
